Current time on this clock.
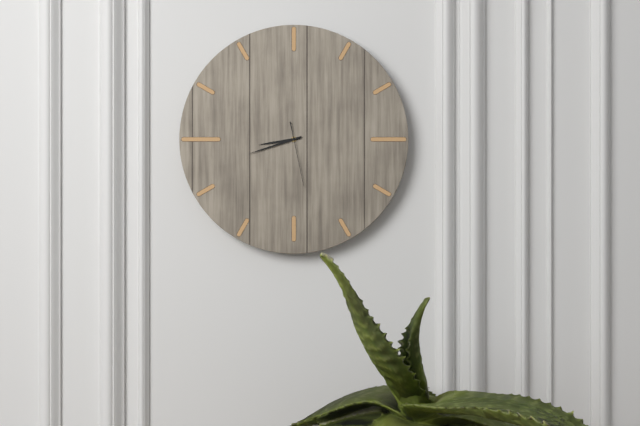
8:42:28
